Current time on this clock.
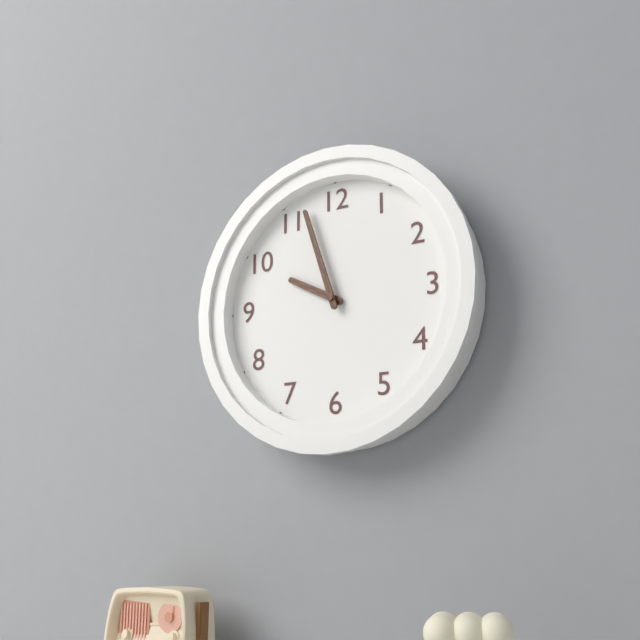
9:57
